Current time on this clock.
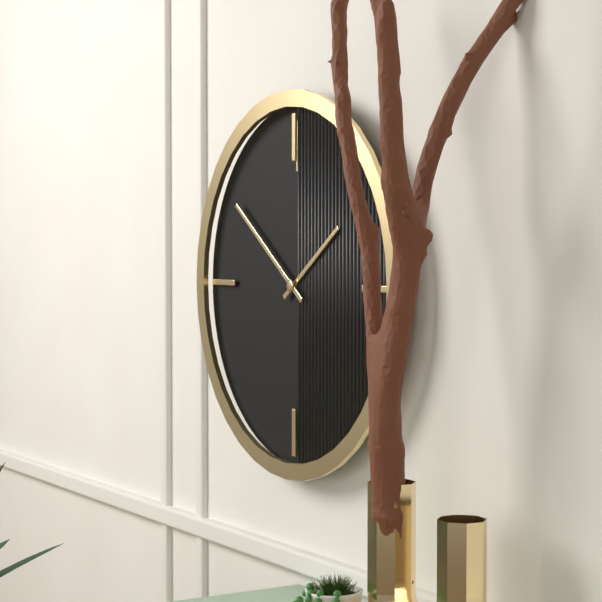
1:51
